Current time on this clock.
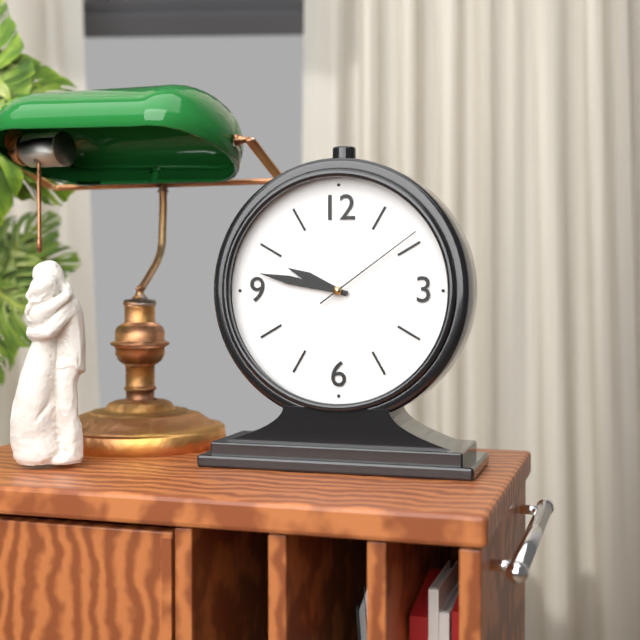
9:47:09
